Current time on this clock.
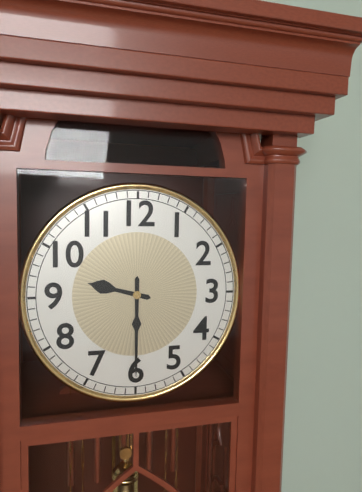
9:30
